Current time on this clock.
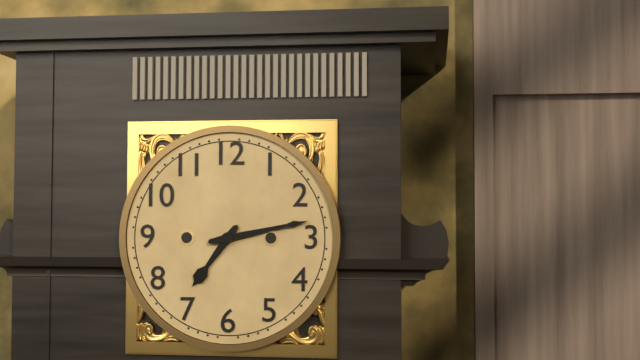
7:13
